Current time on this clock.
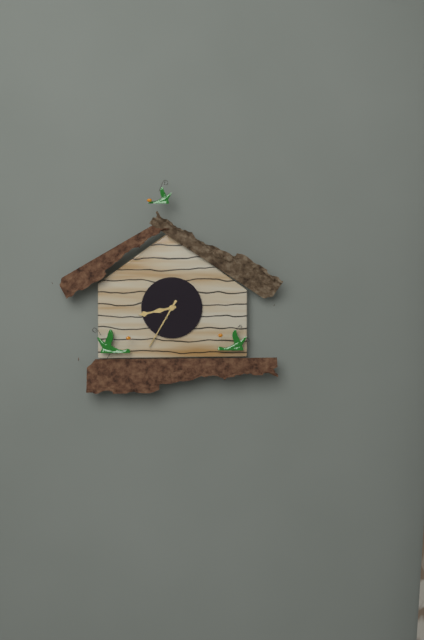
8:35
